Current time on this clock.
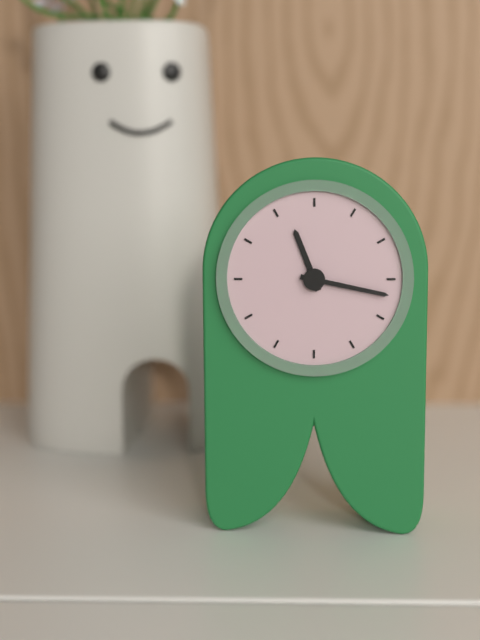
11:17
